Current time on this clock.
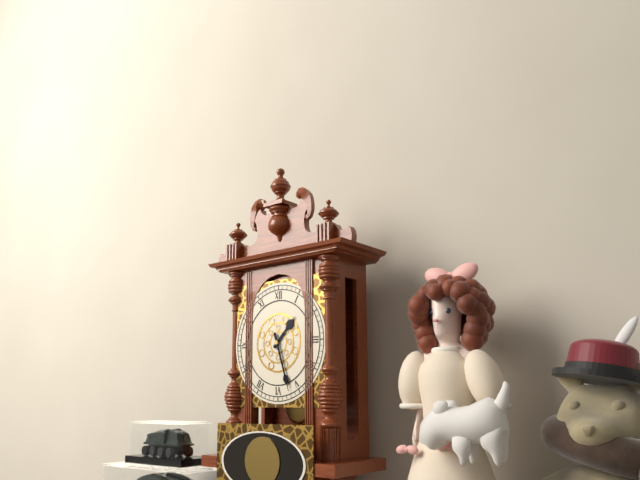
1:27
